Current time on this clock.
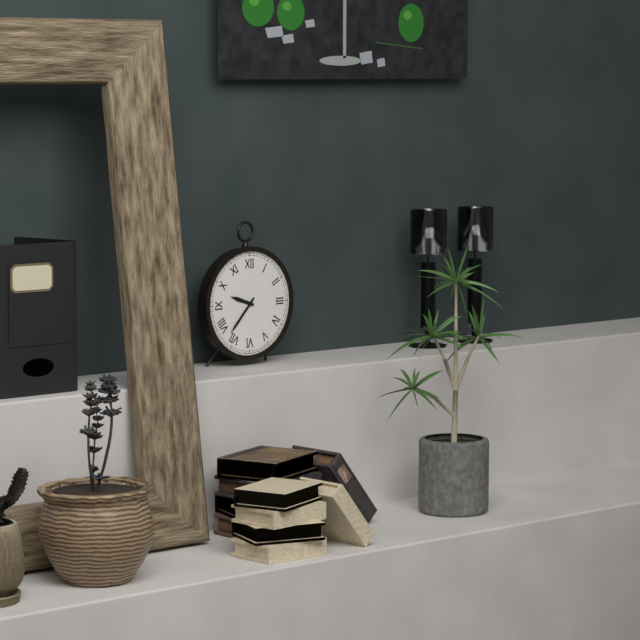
9:37
